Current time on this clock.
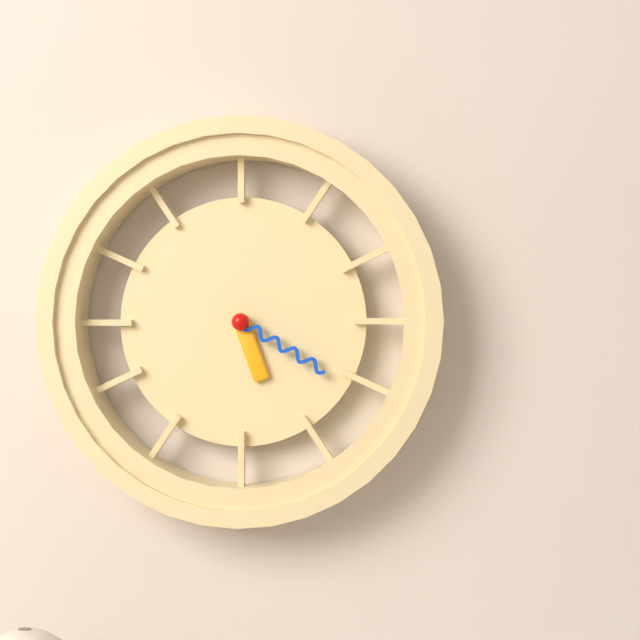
5:20
